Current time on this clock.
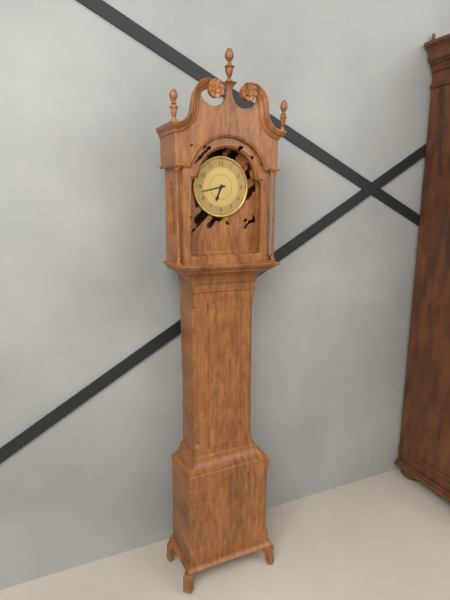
6:43
